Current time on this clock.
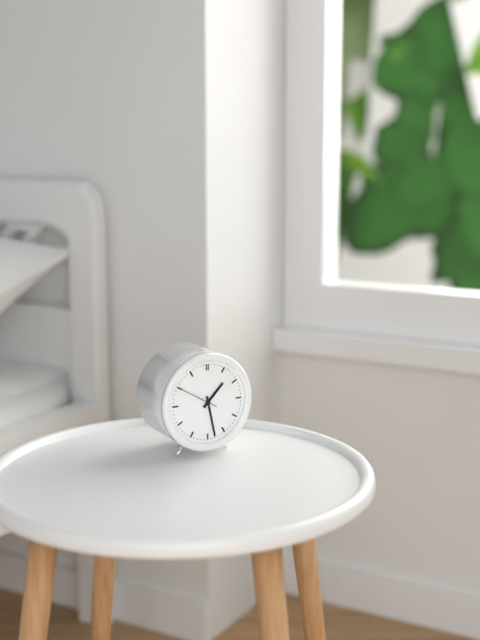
1:28
